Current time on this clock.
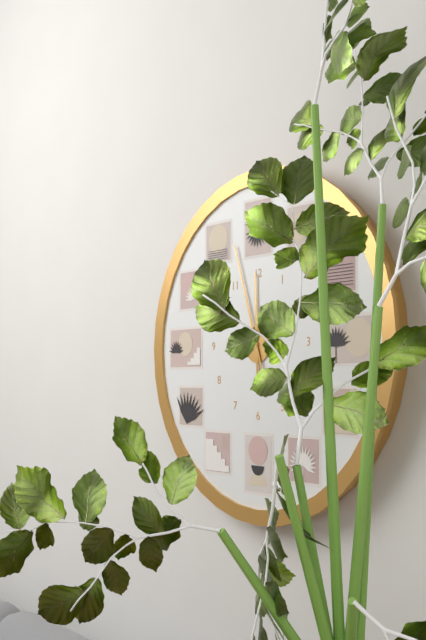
11:57
